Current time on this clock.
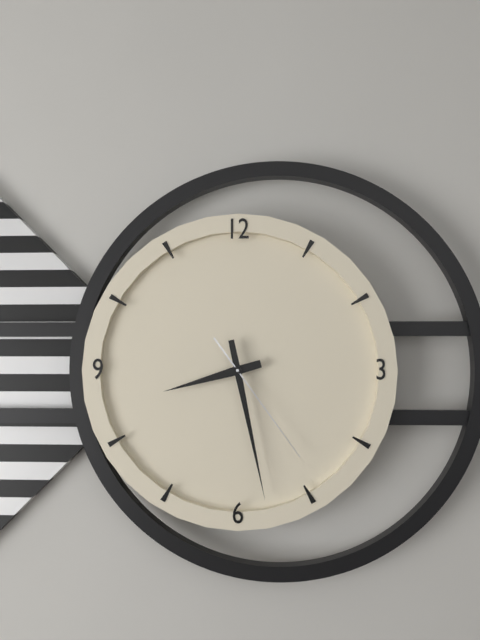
8:28:24
